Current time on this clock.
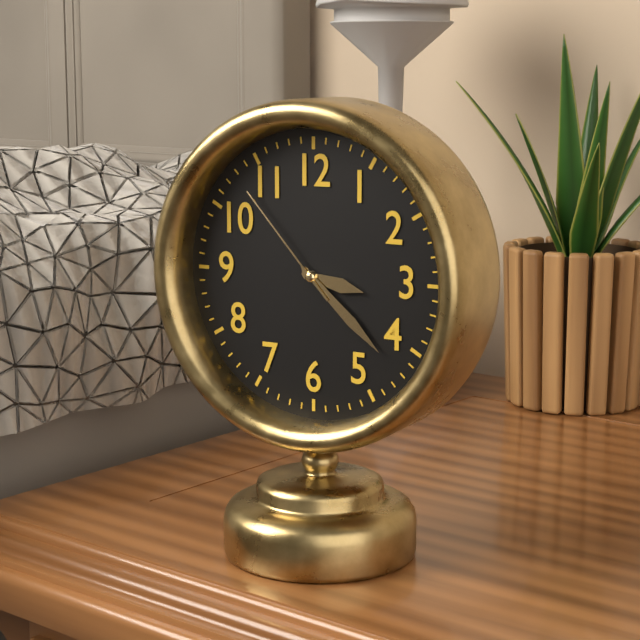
3:22:53
